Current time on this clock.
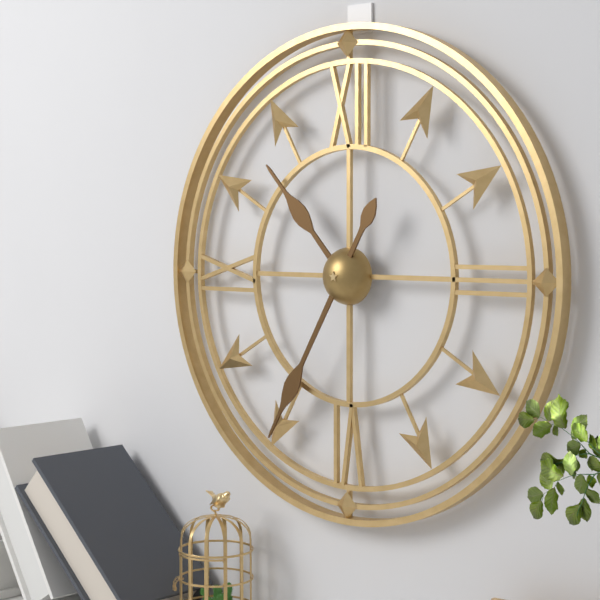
10:35
